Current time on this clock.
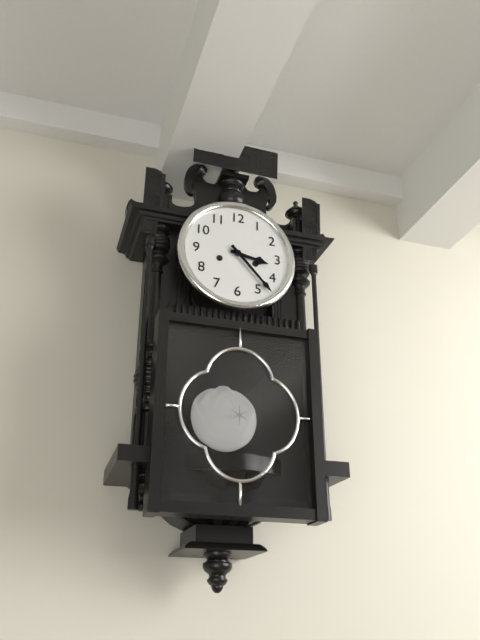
3:23
